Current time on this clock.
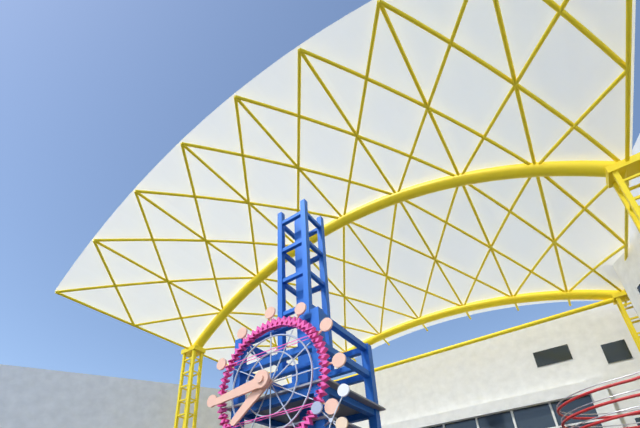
7:44
